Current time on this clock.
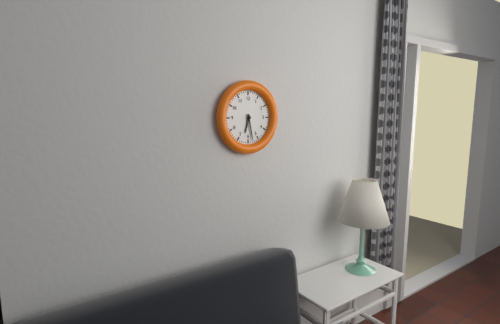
6:28
